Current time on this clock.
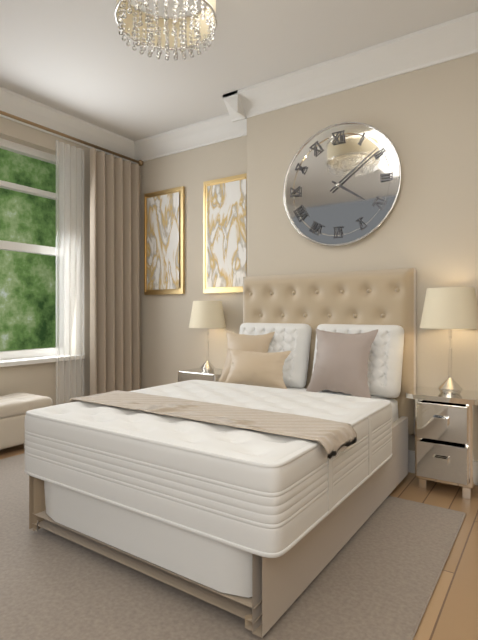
4:09
